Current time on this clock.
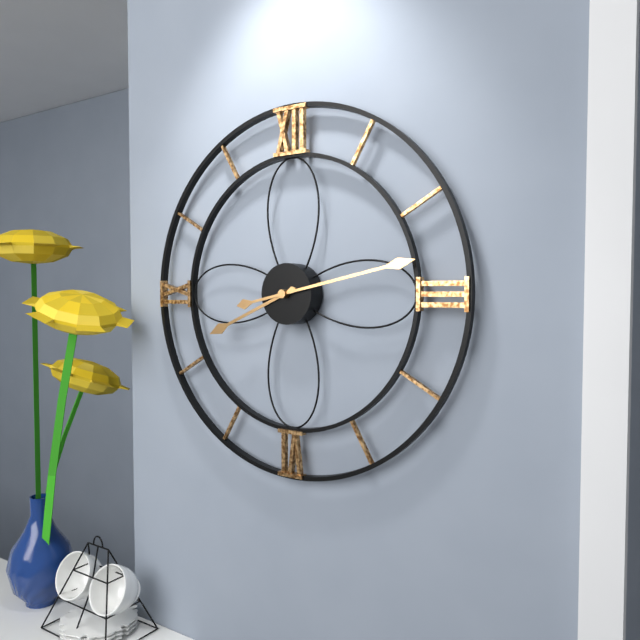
8:13
